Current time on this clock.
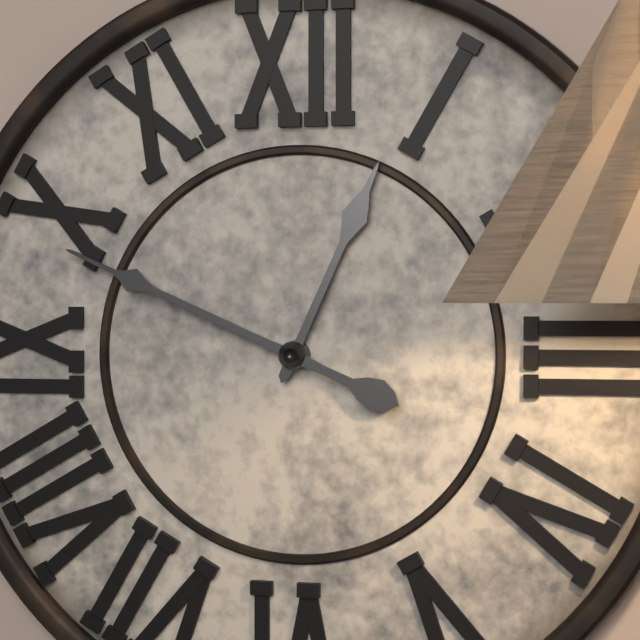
12:49
